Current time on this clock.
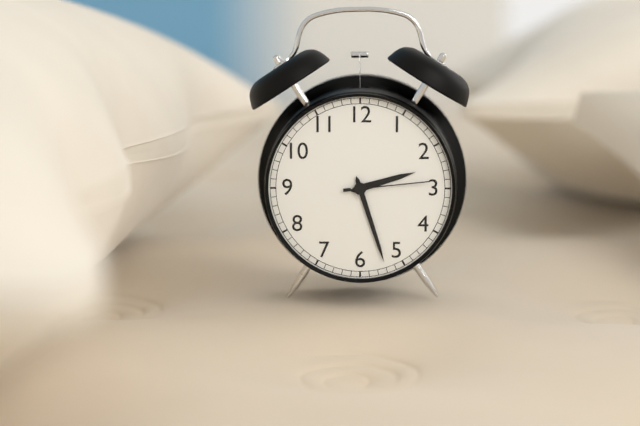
2:27:14
